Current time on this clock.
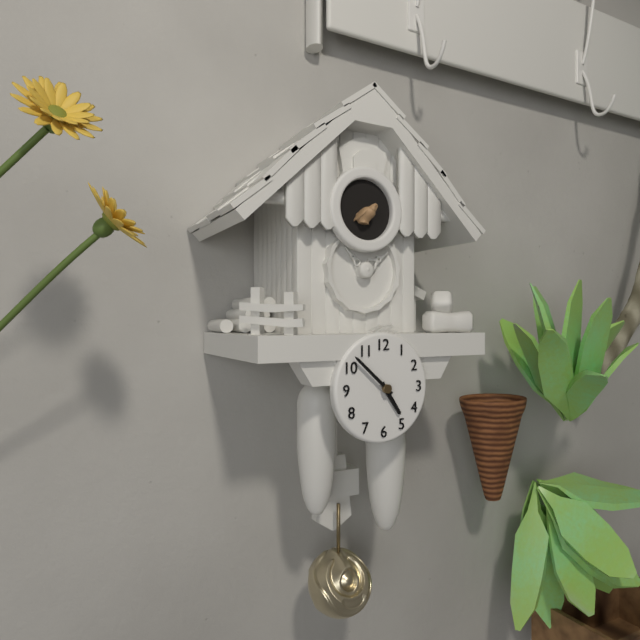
4:52
